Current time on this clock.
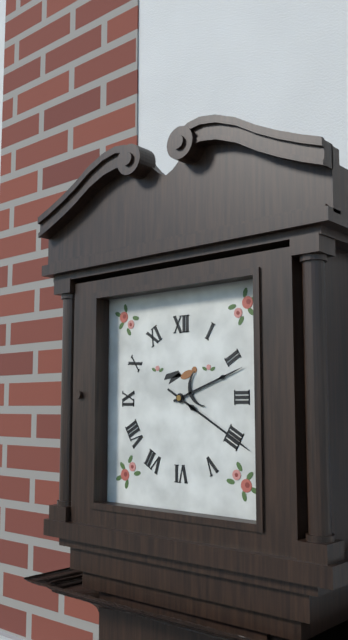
2:20
